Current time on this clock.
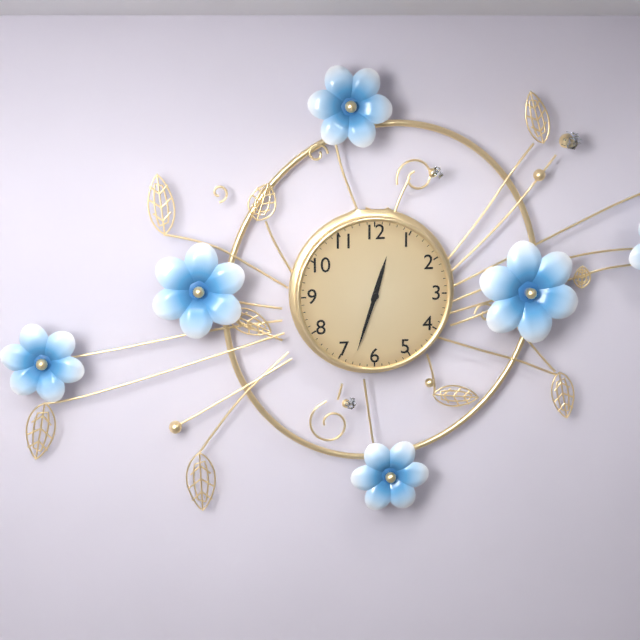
12:33
